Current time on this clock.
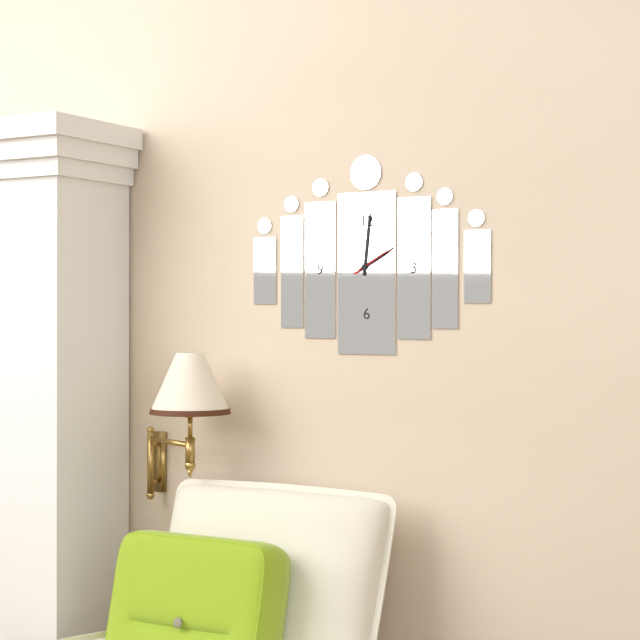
2:01:10
